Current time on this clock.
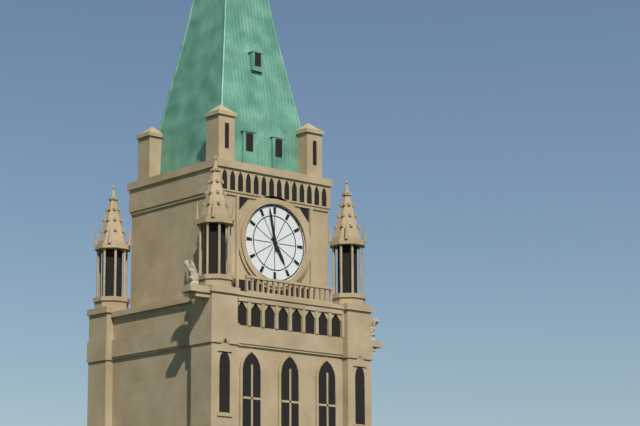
4:58
